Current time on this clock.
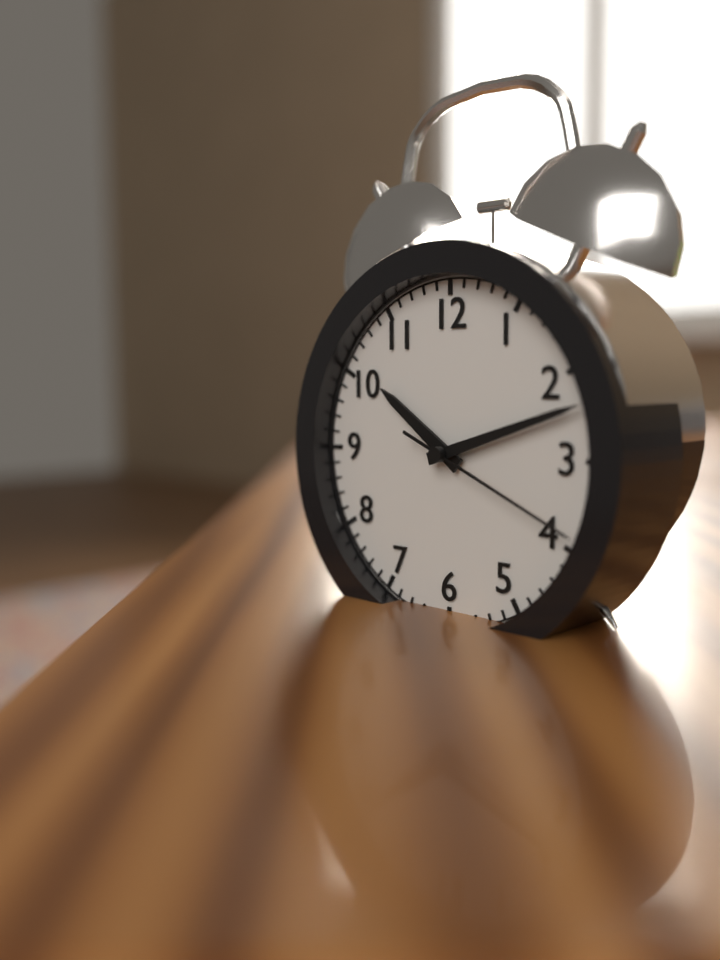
10:12:19
